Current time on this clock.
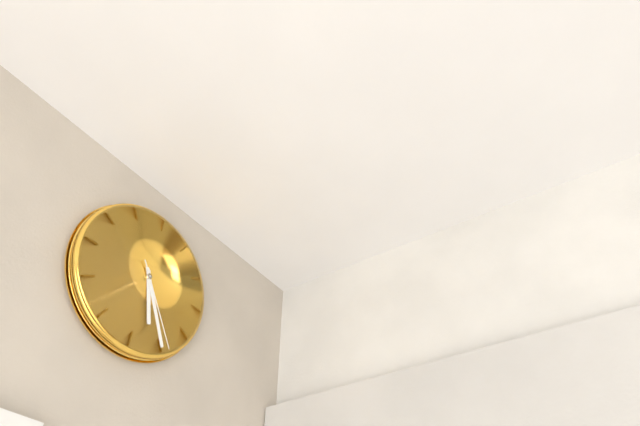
5:25:24
